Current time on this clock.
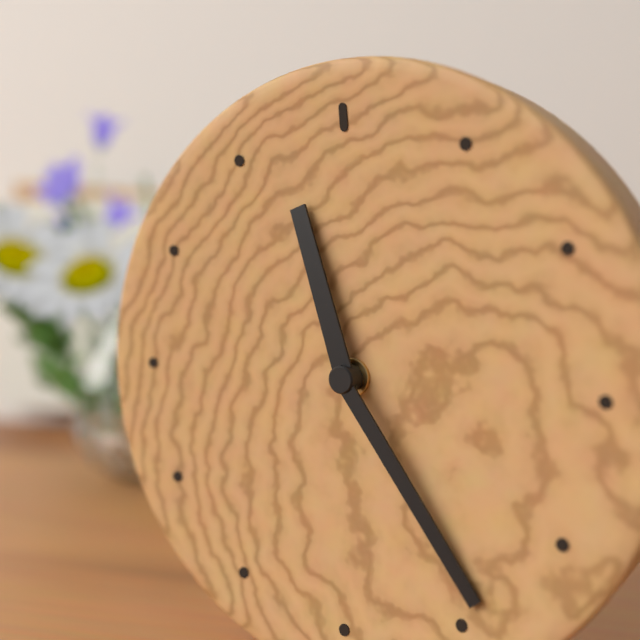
11:24
